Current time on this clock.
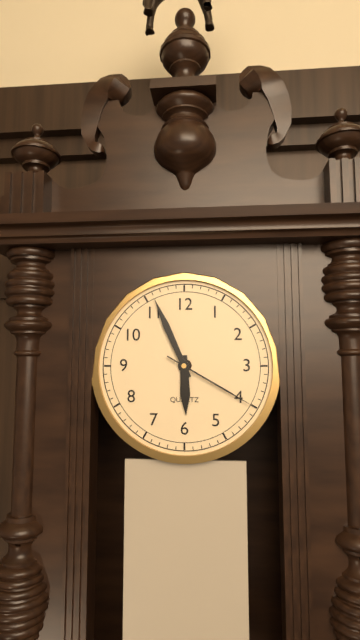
5:56:20
